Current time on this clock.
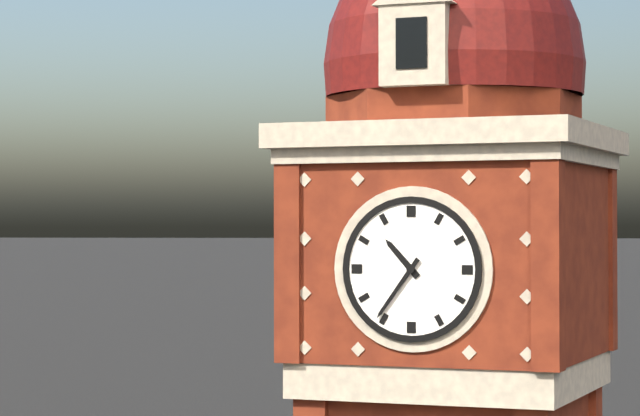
10:36
